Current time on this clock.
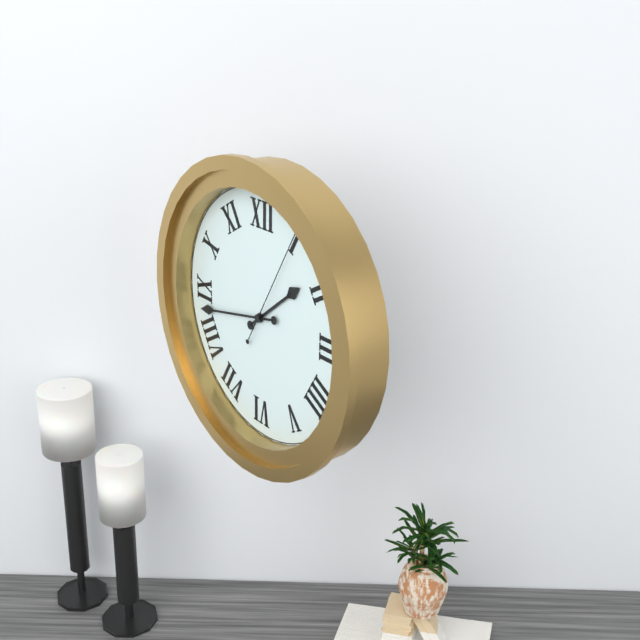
1:43:05
